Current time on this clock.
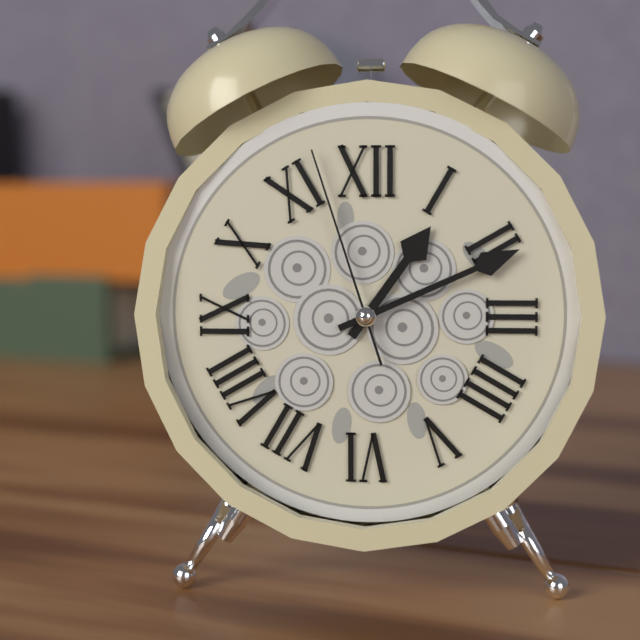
1:11:57
